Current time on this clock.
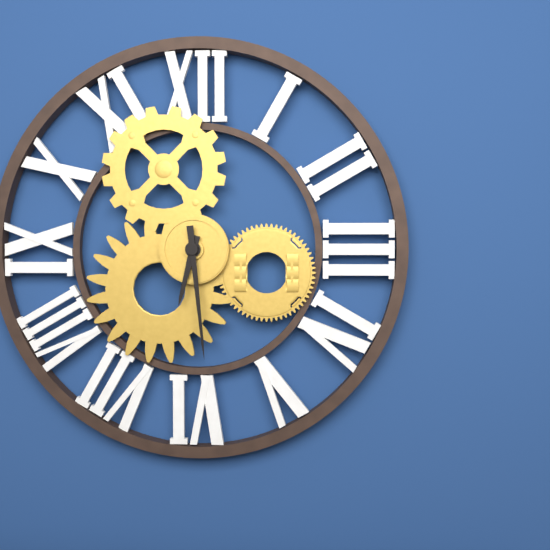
6:29
